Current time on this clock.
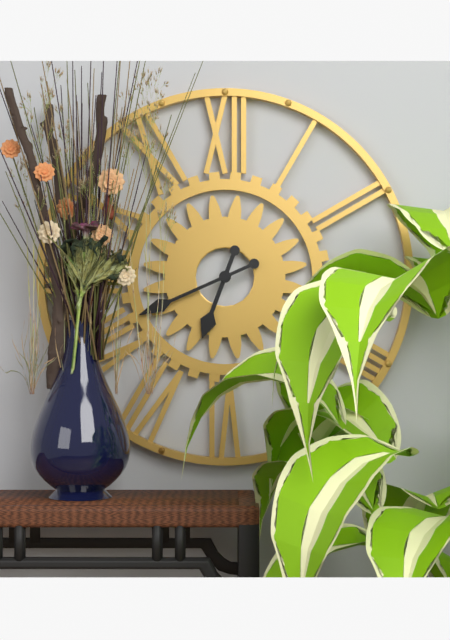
6:41
